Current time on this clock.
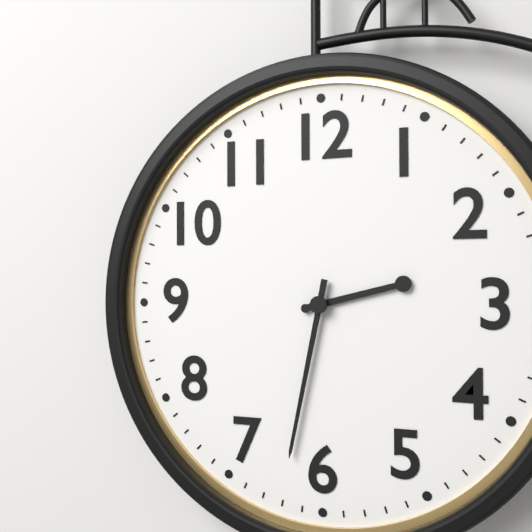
2:32
